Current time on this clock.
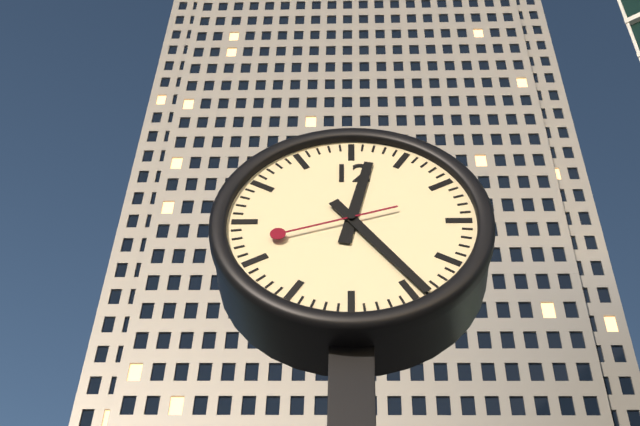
12:24:42
